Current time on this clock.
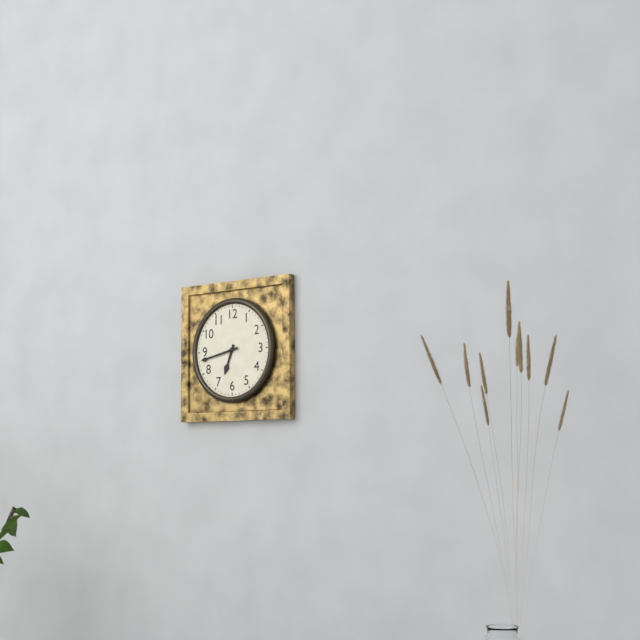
6:43
